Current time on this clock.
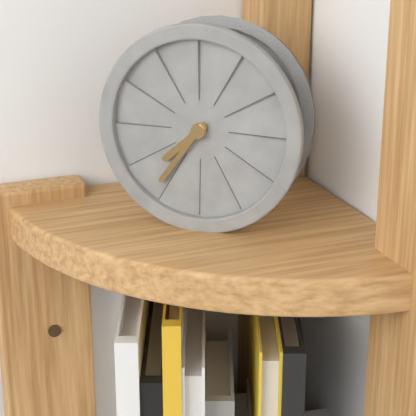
7:36
